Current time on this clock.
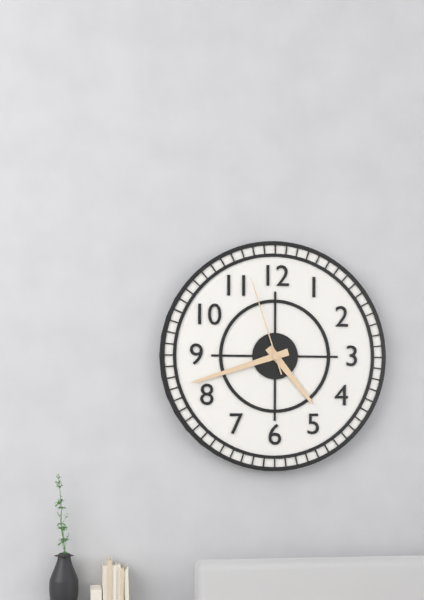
4:42:57
